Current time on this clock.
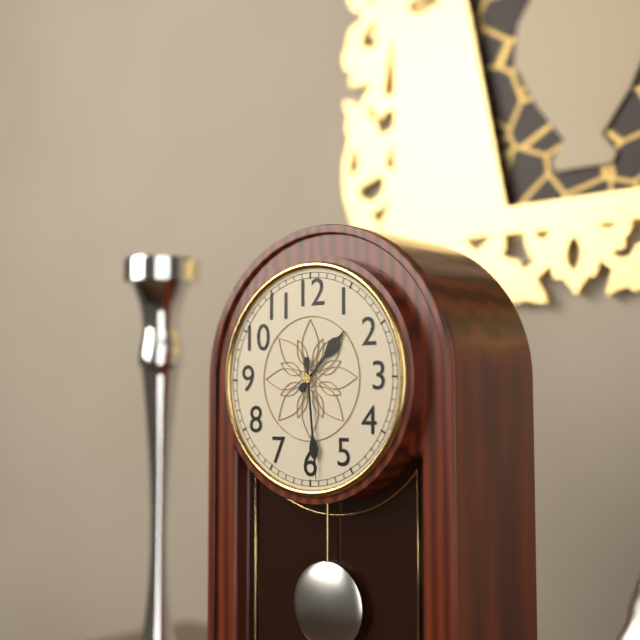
1:29
